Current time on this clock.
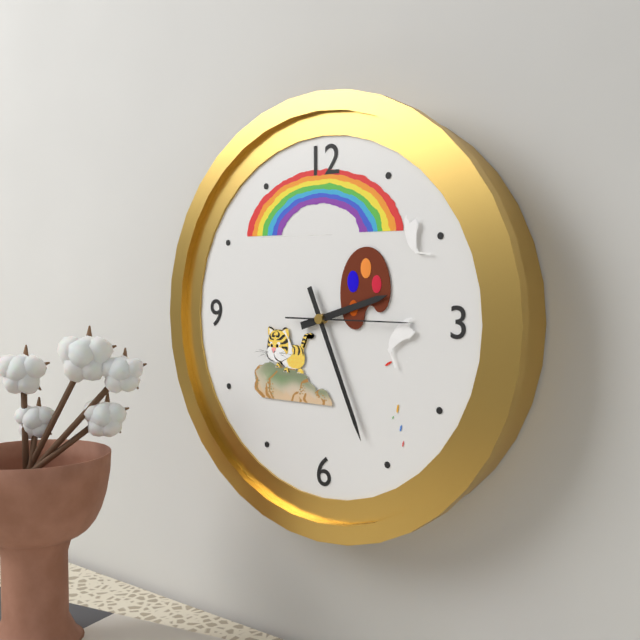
2:26:15
